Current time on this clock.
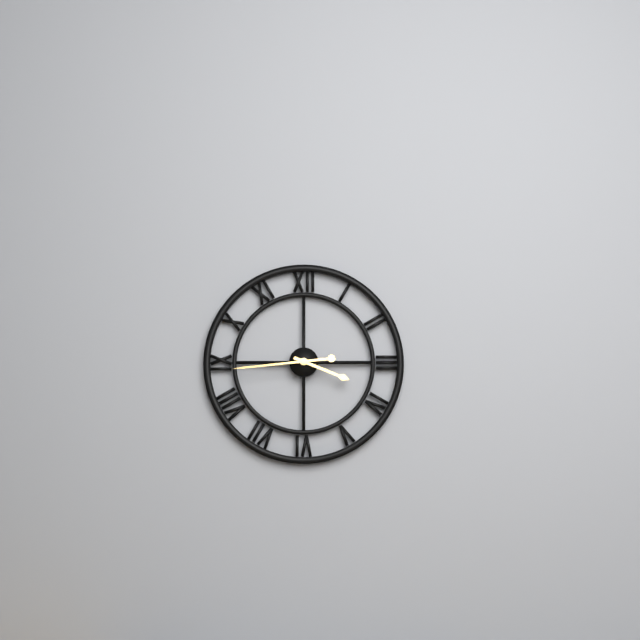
3:44
